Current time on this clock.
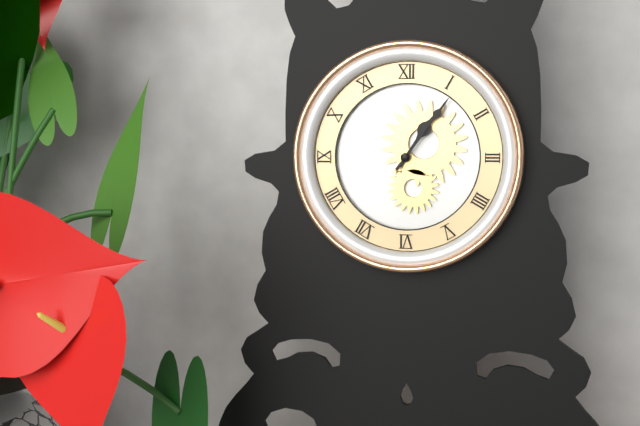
1:06
